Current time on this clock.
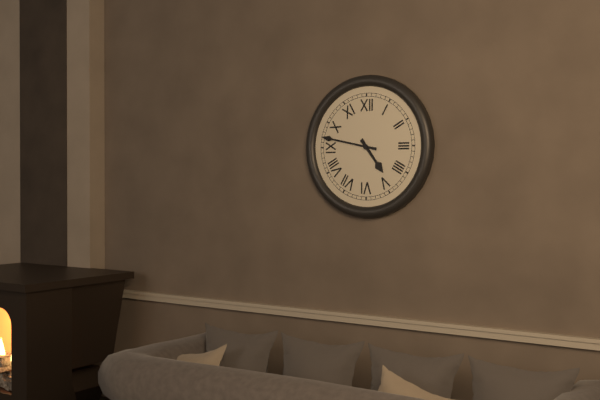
4:47
